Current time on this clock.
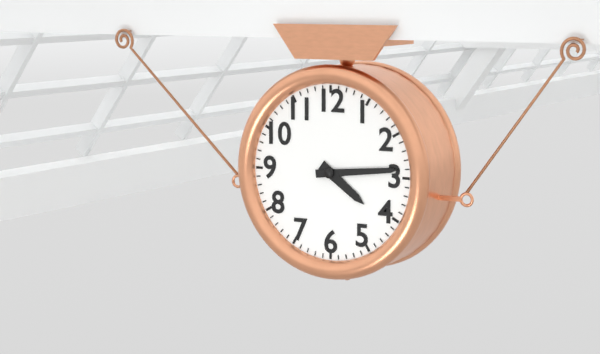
4:14
